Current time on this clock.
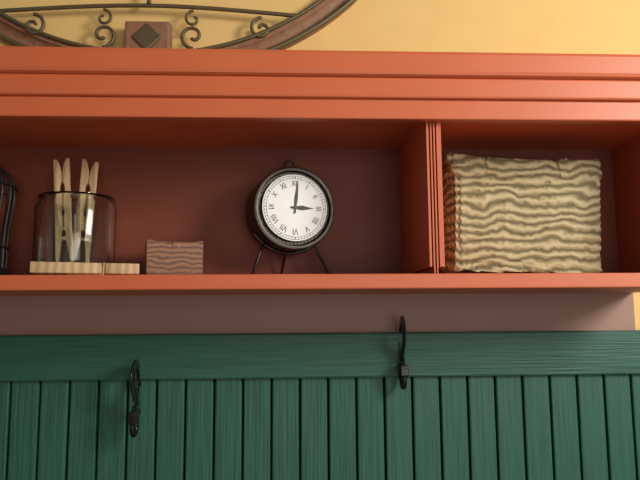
3:01
